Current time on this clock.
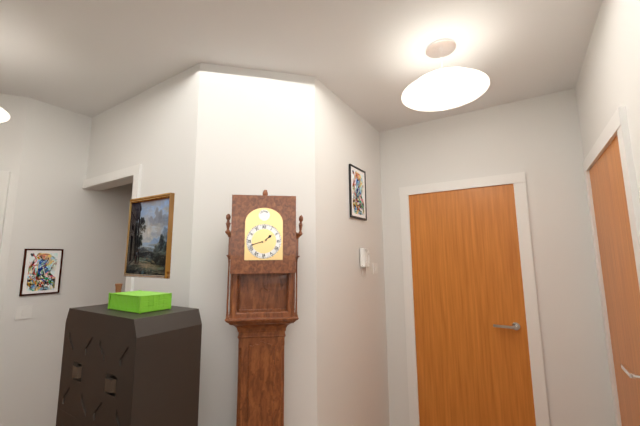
1:42
